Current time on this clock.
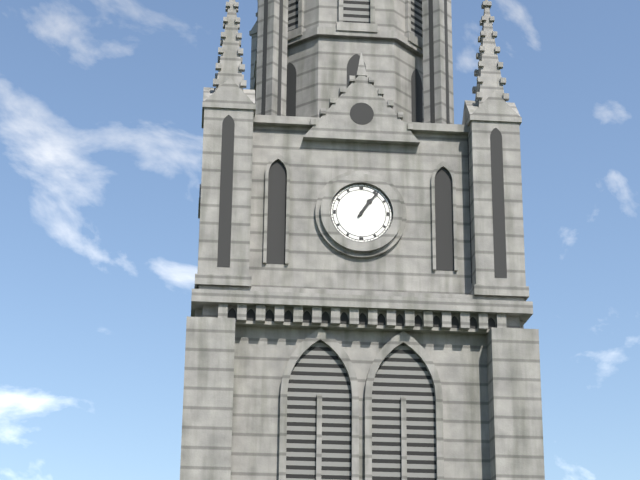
1:06
